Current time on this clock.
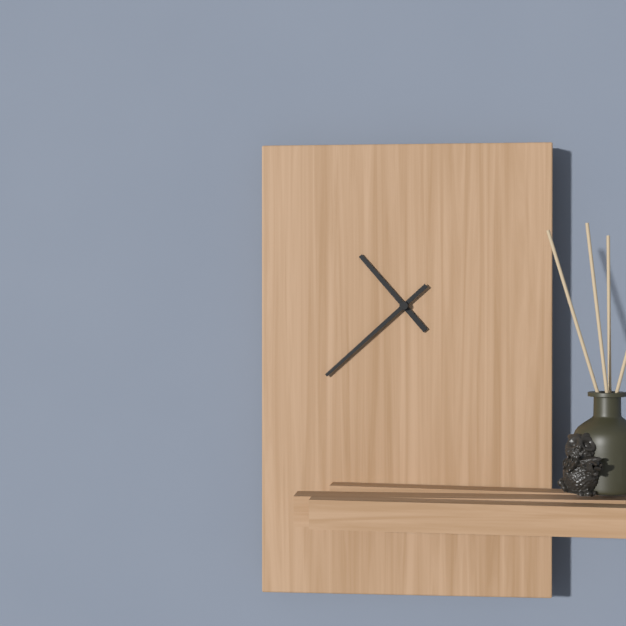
10:38
